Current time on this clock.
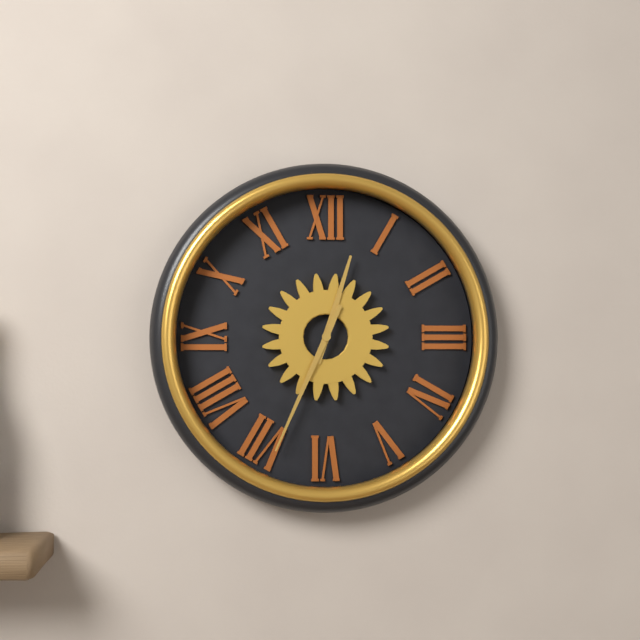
12:34
